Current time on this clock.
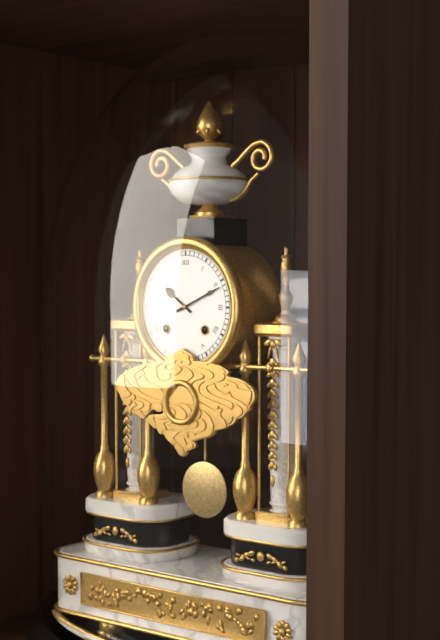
10:11
